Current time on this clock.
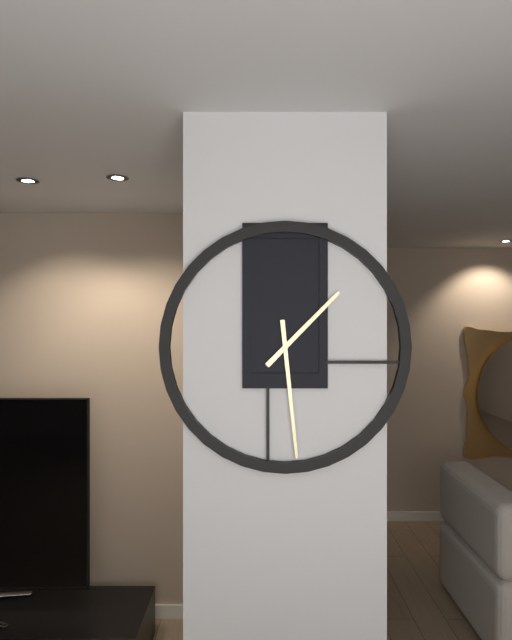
1:29
